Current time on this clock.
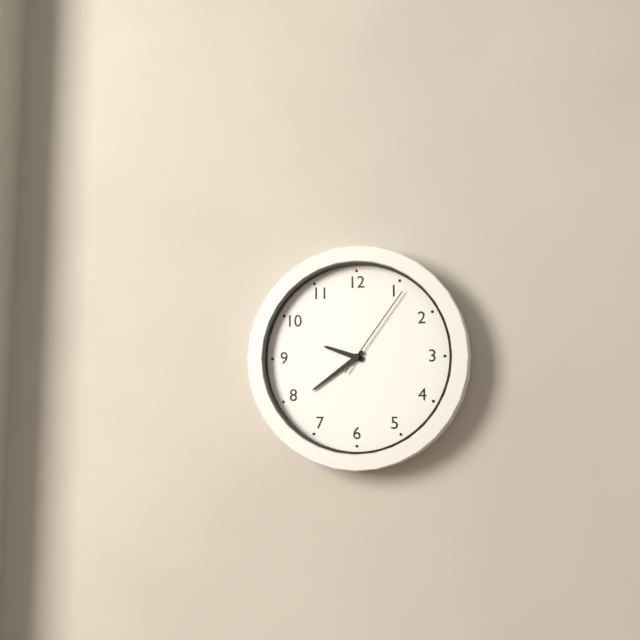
9:39:06
